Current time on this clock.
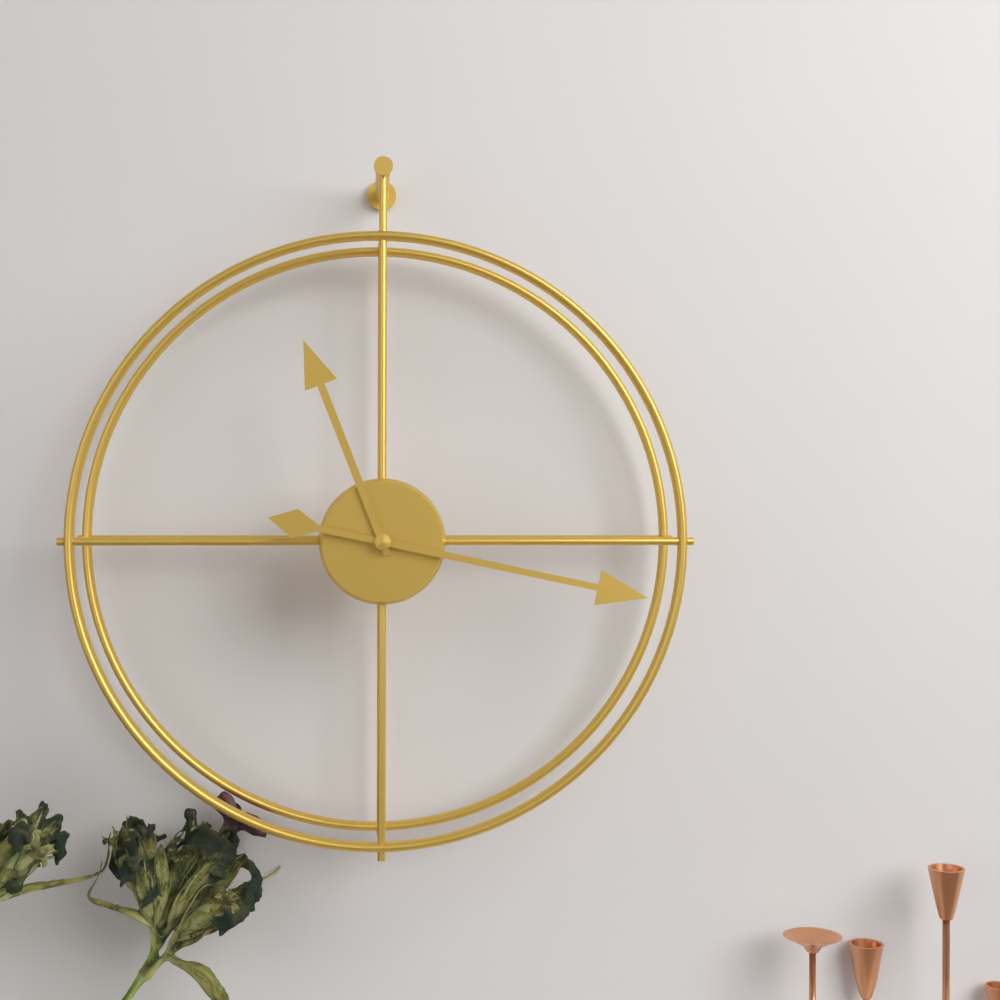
11:17
